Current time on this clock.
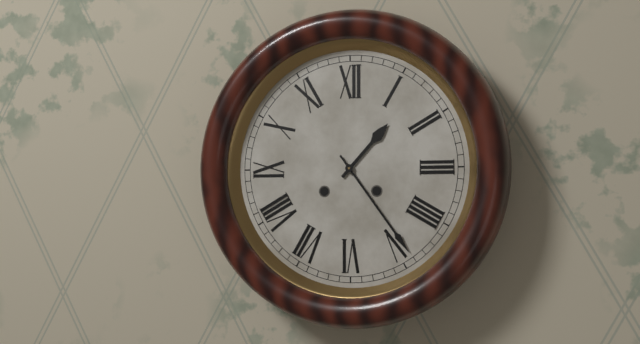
1:24
